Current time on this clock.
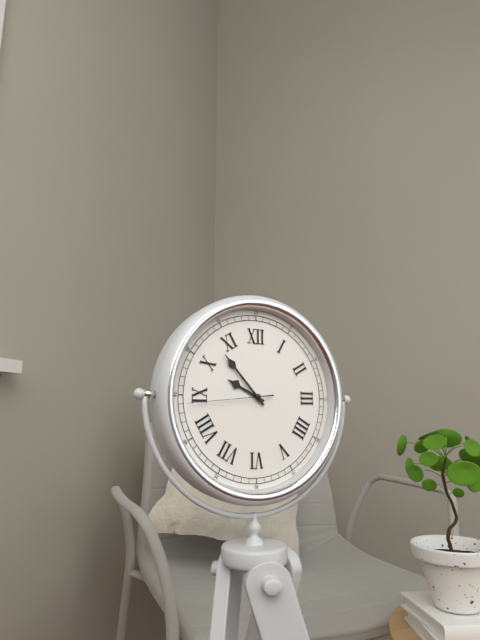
9:53:44
